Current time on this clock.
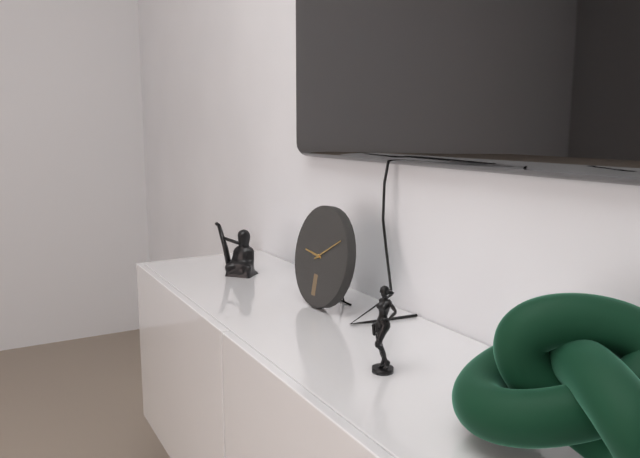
9:10
